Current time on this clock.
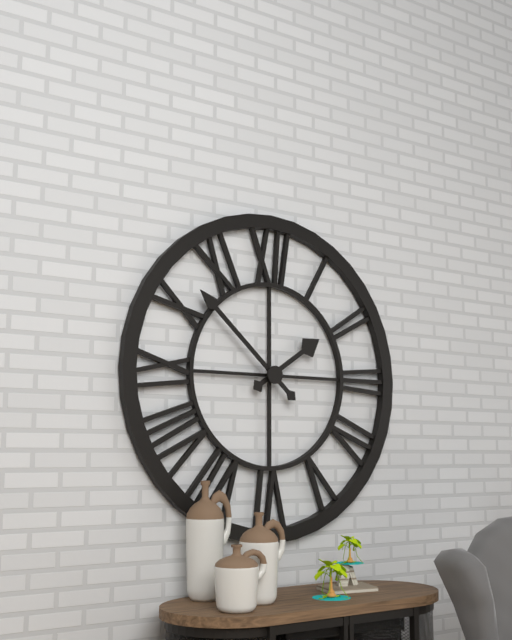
1:52
